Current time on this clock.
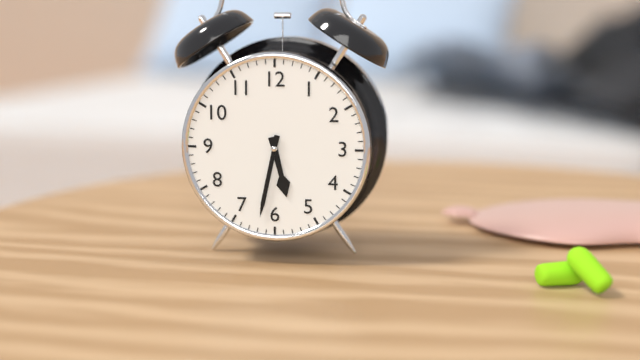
5:32
